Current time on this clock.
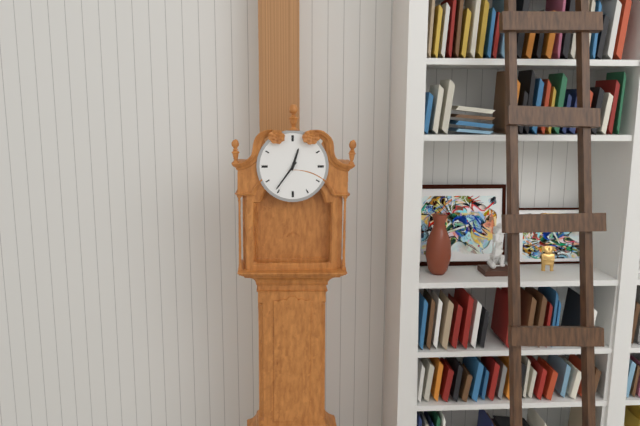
12:36
